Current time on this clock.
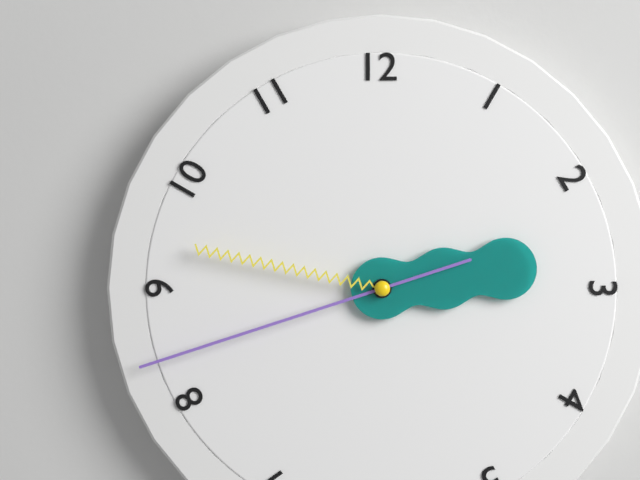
2:42:47
